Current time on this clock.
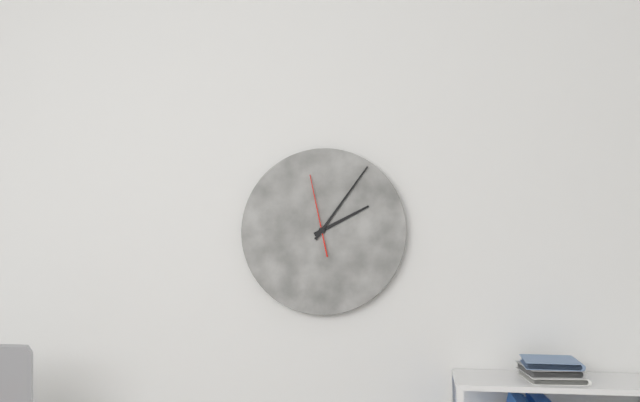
2:06:58
